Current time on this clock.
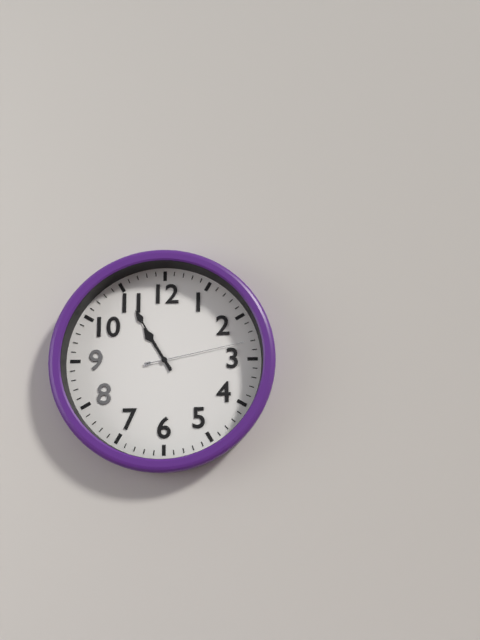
10:55:13
